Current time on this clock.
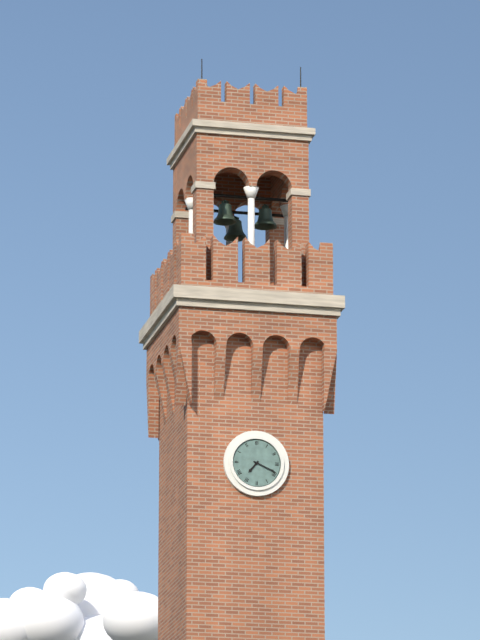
7:19
